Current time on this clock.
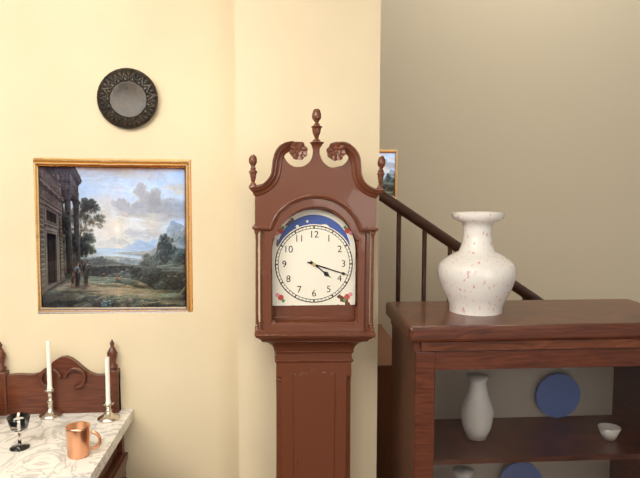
4:18
